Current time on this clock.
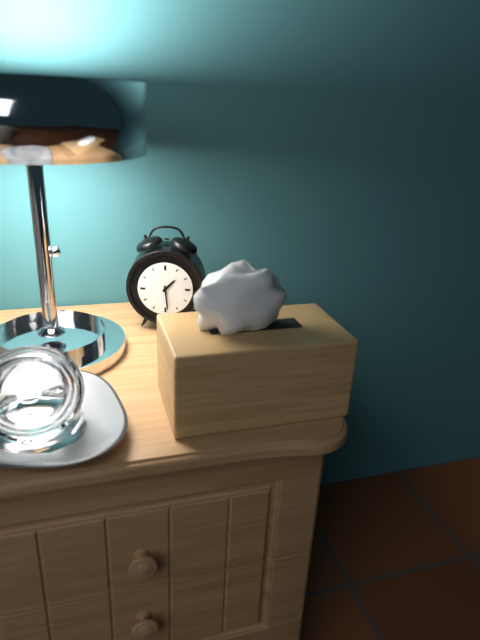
1:29
